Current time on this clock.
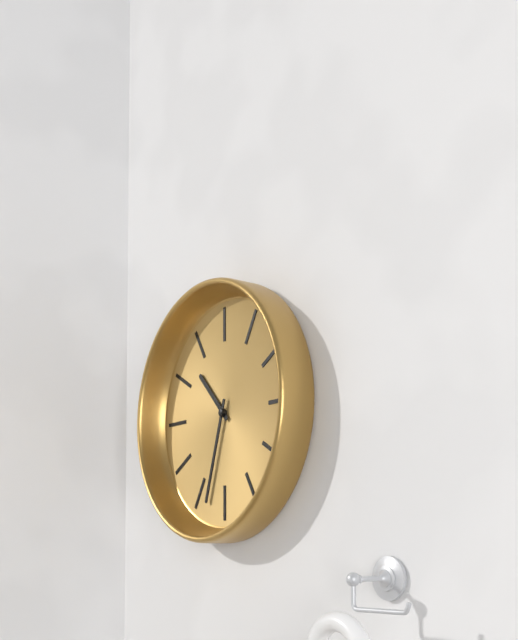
10:33
